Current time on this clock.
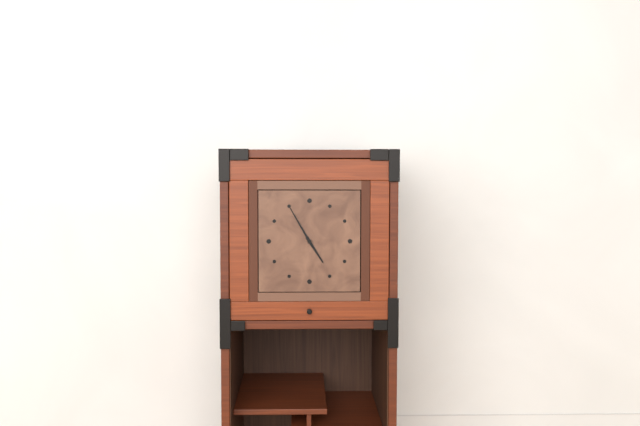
4:55
